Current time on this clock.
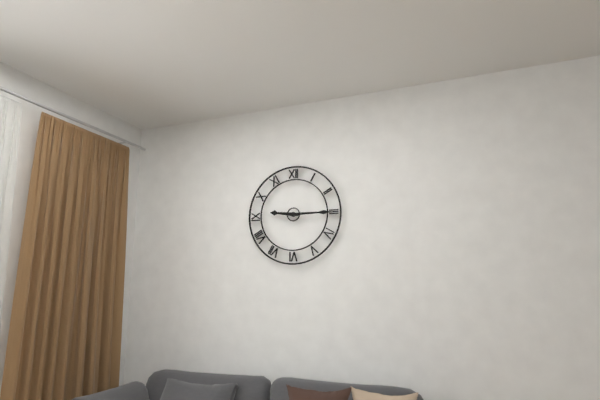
9:15
